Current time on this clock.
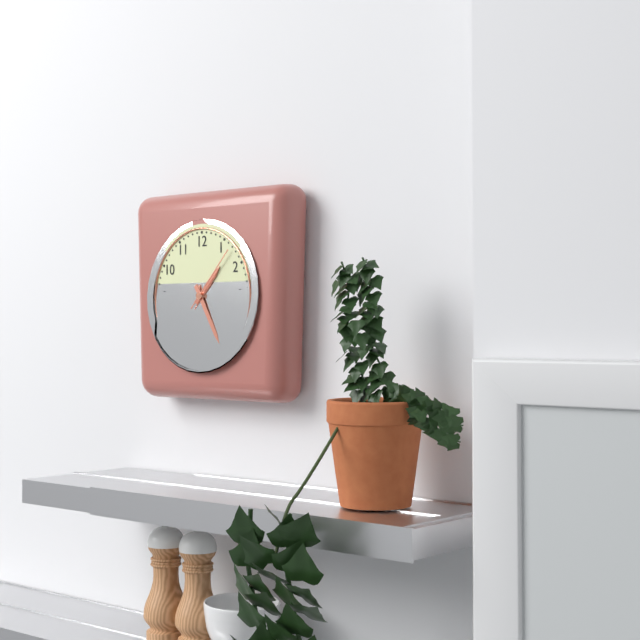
1:25:07
